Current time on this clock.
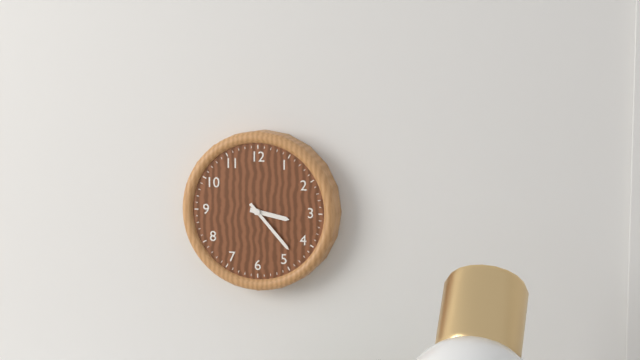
3:23
